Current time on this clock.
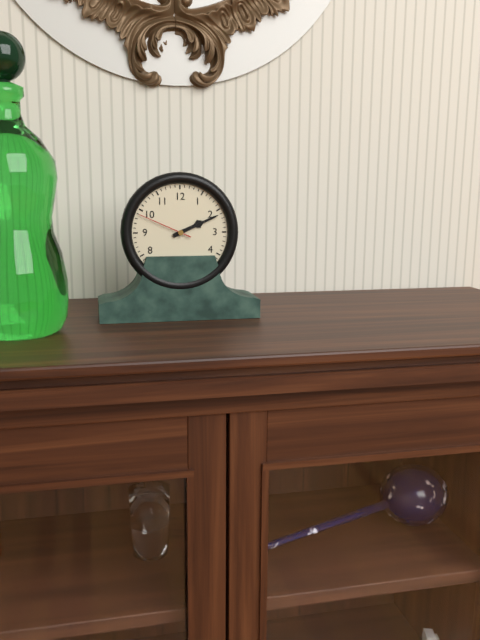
2:11:49
